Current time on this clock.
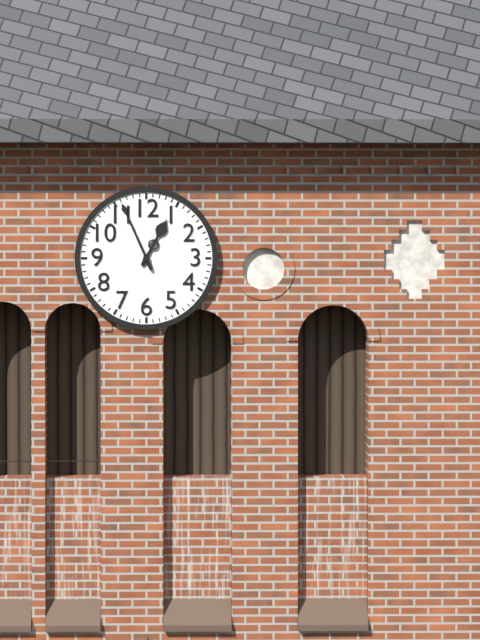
12:56
